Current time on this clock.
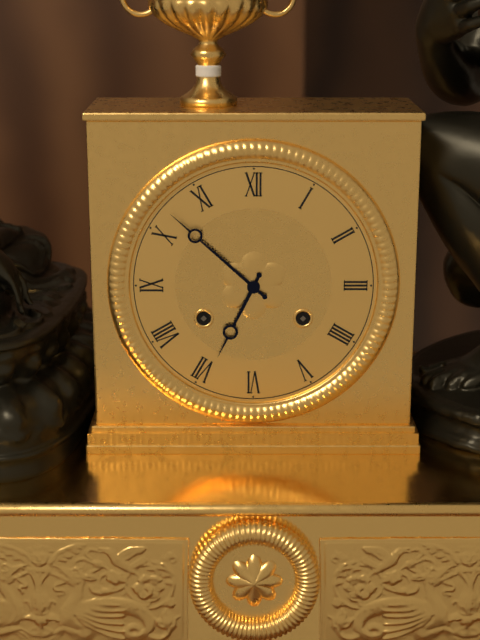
6:52
